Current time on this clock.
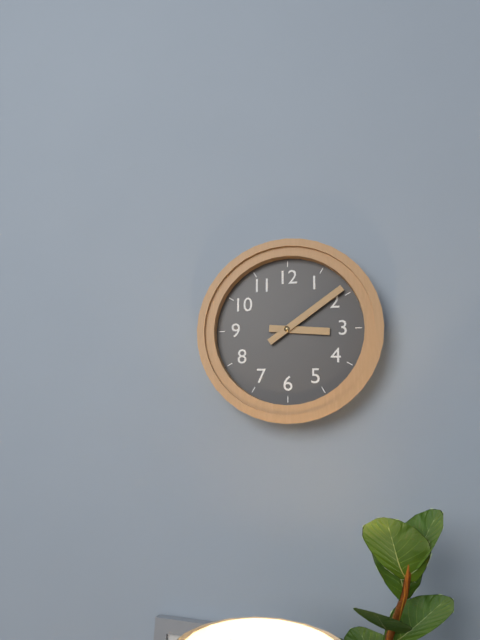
3:09
